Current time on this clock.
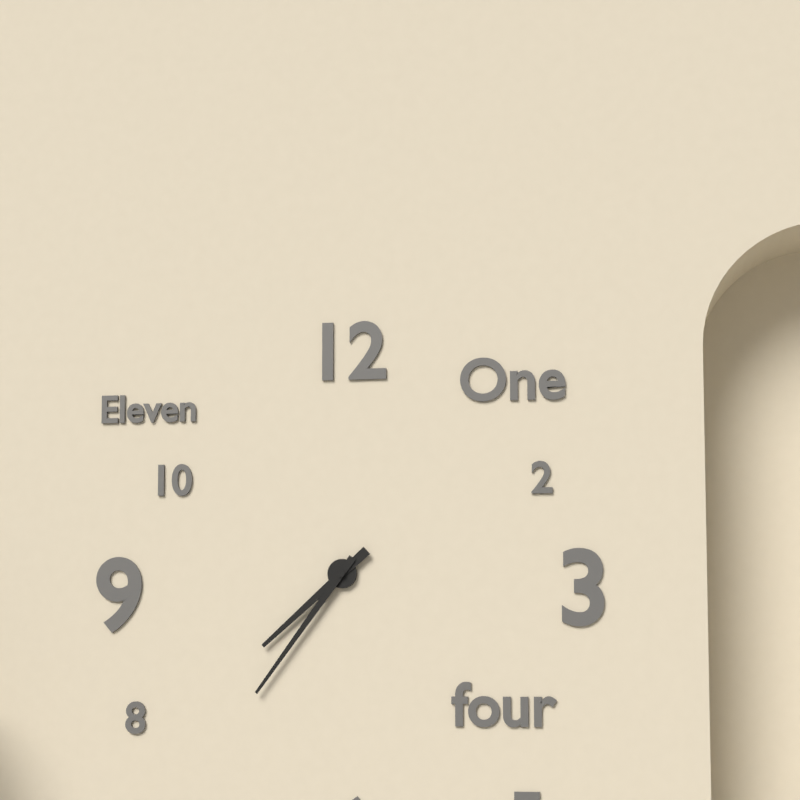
7:36
